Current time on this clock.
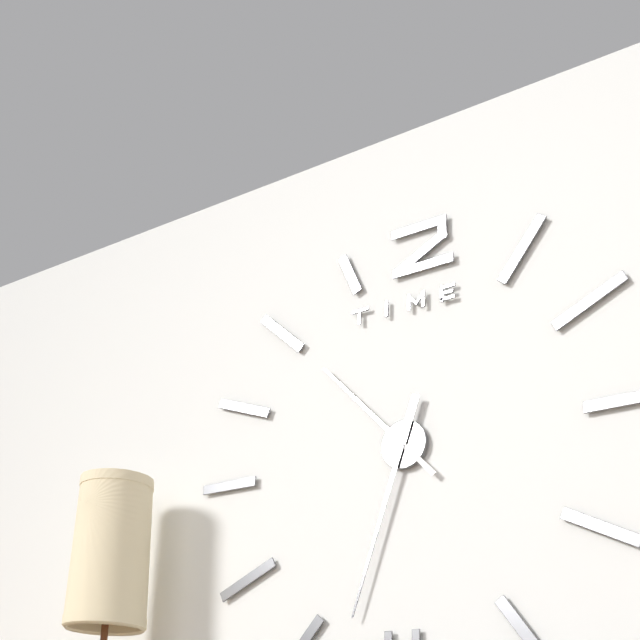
10:33
